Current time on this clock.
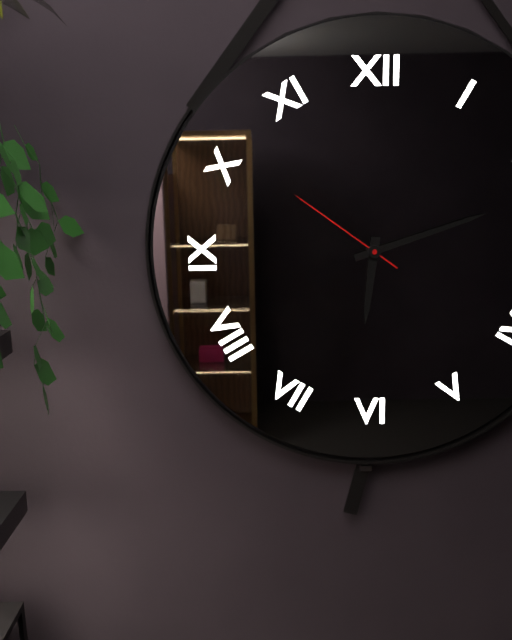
6:12:51
